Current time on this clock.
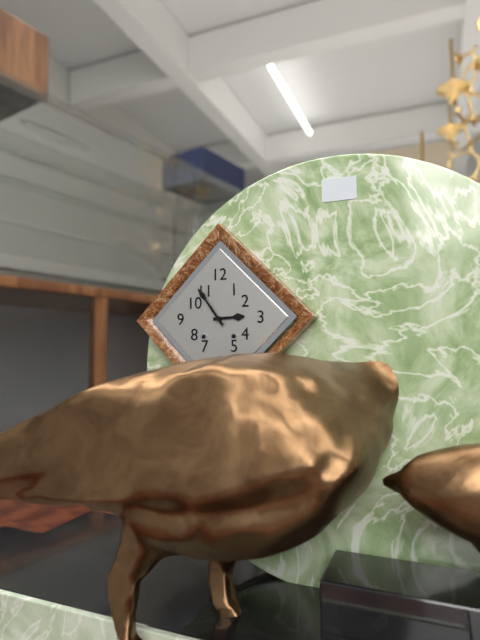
2:54
